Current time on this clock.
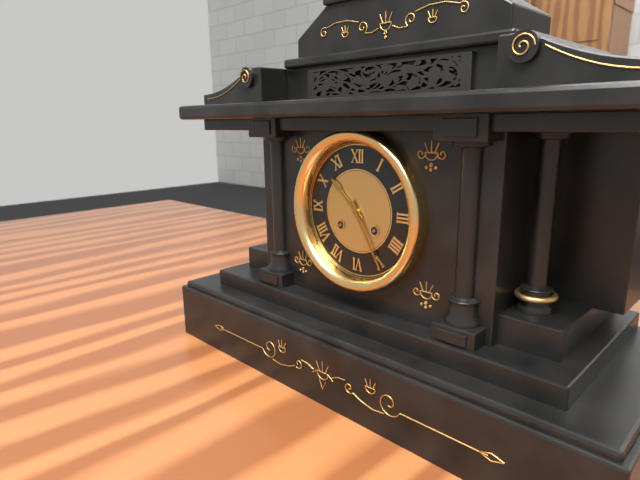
10:25
